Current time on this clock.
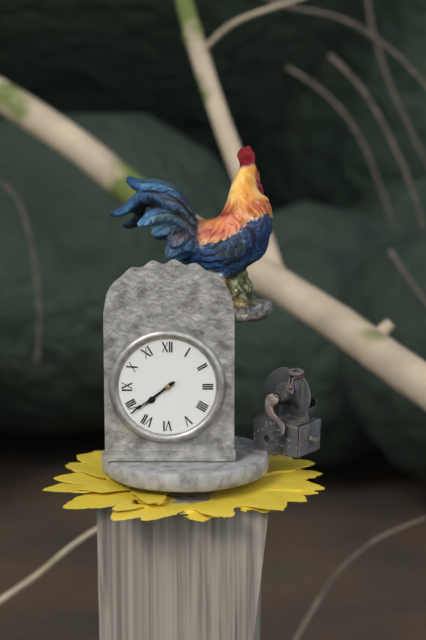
7:39
